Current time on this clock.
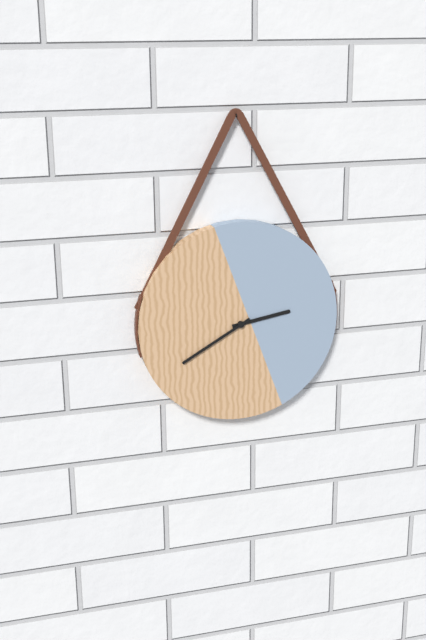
2:40
